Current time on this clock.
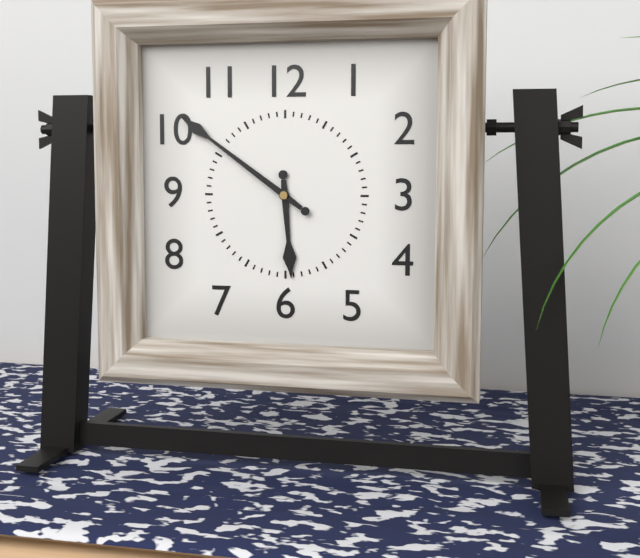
5:51
